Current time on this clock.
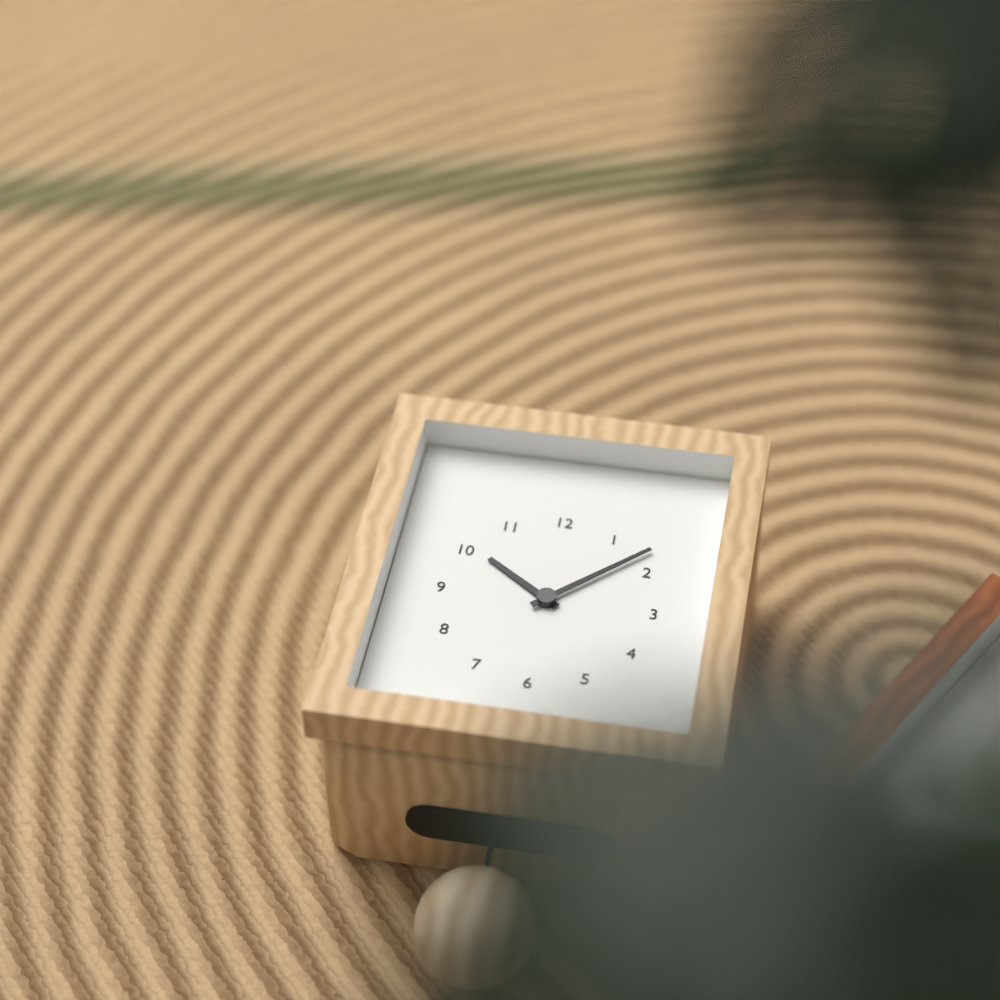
10:08
